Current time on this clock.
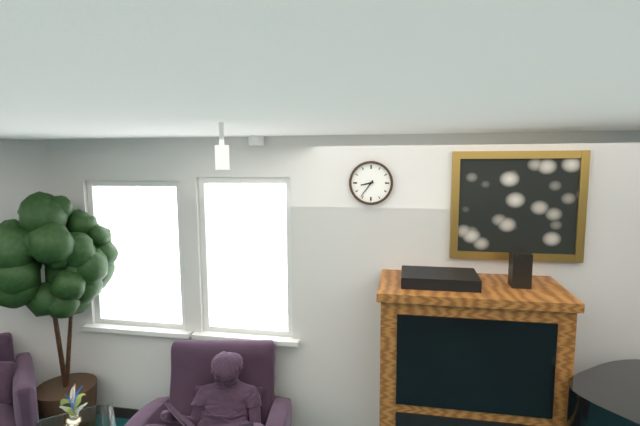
8:36
